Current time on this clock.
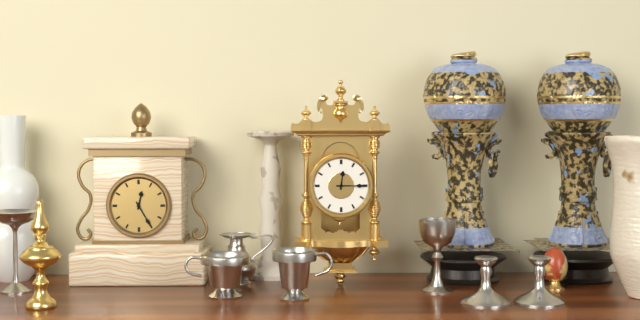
12:15
